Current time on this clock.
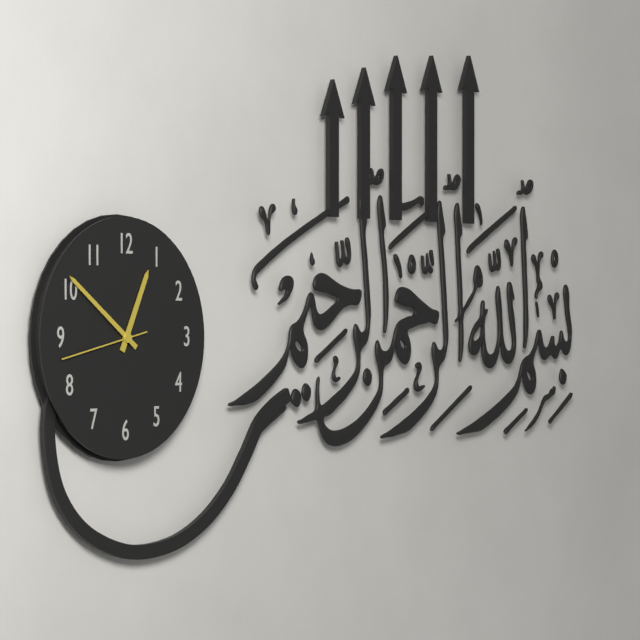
12:51:43
